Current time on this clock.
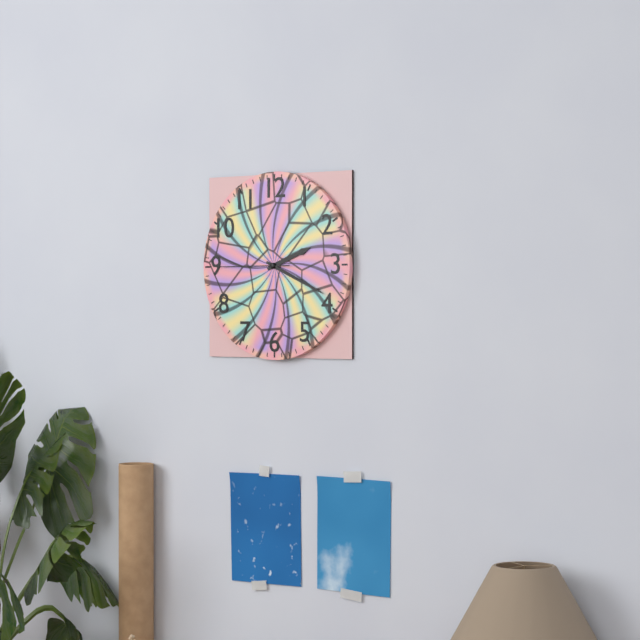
2:19:45
